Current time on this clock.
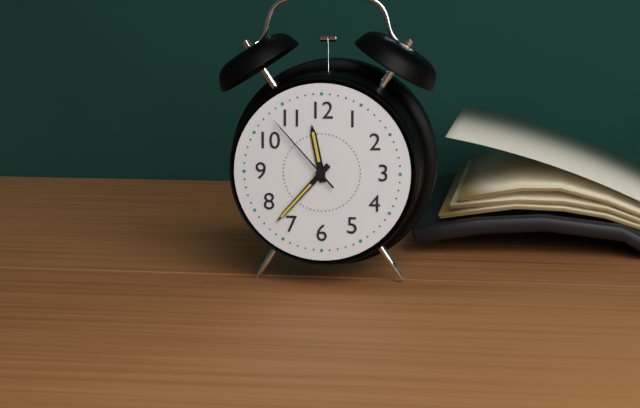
11:37:53
